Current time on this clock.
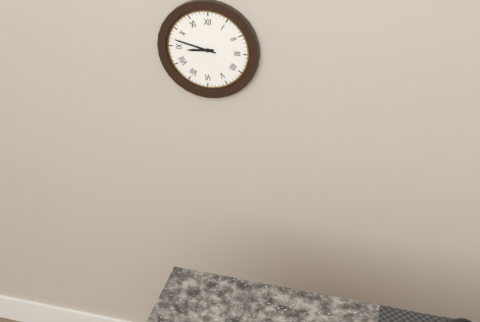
8:47
